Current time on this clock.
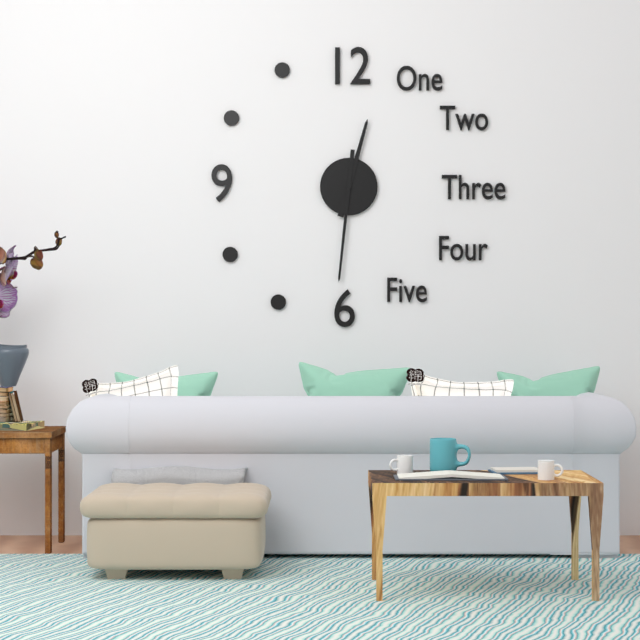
12:31
